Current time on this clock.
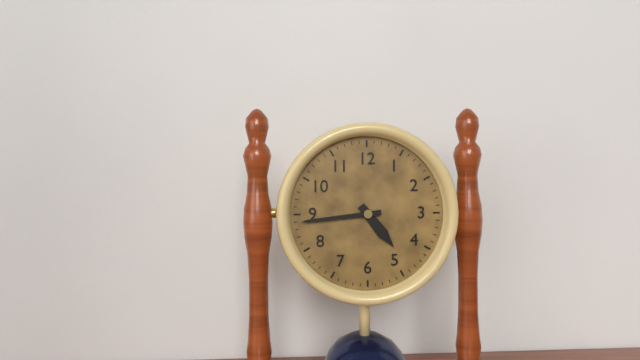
4:44
